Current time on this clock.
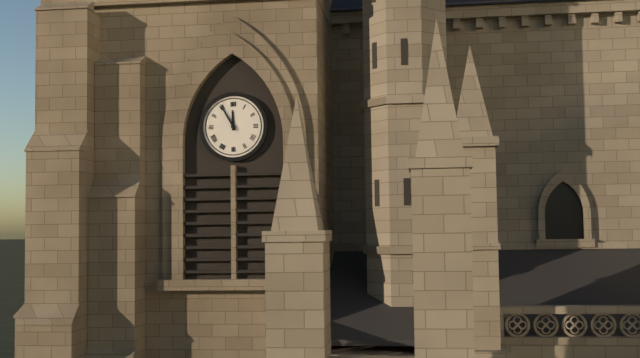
11:55
